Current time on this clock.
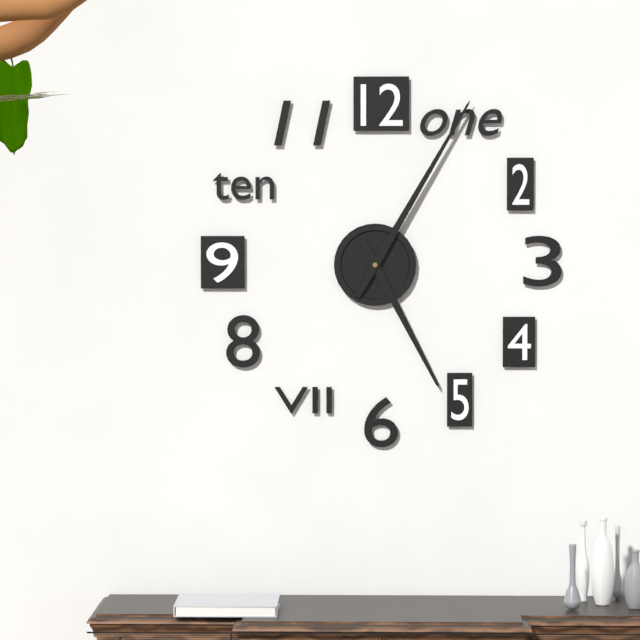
5:05
